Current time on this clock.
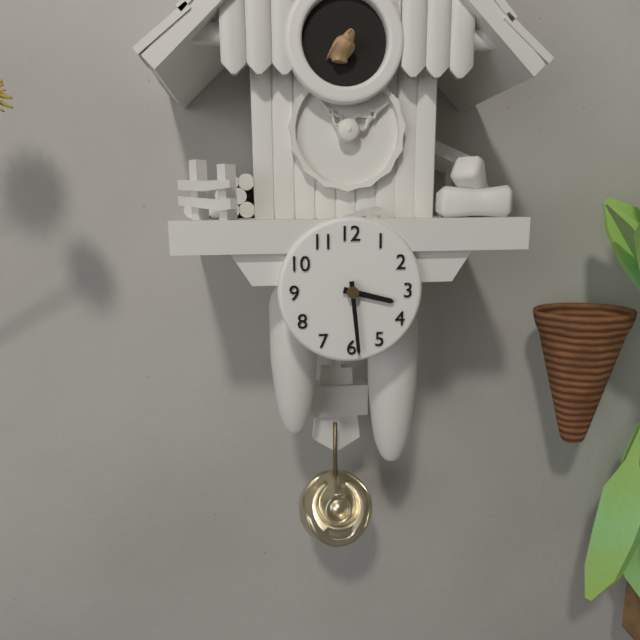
3:29
